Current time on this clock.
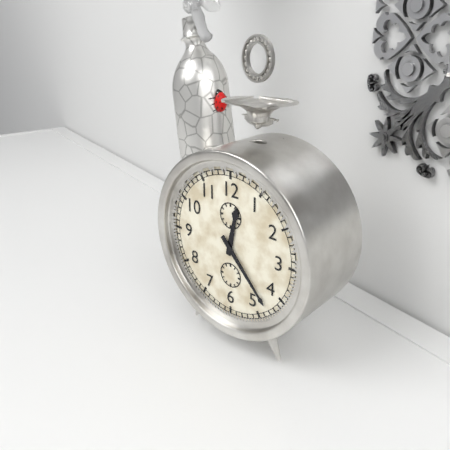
12:23
